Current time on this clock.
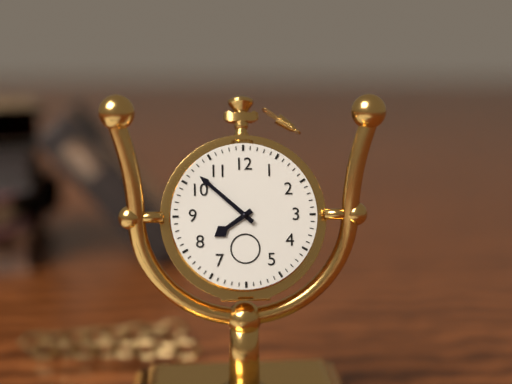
7:52
